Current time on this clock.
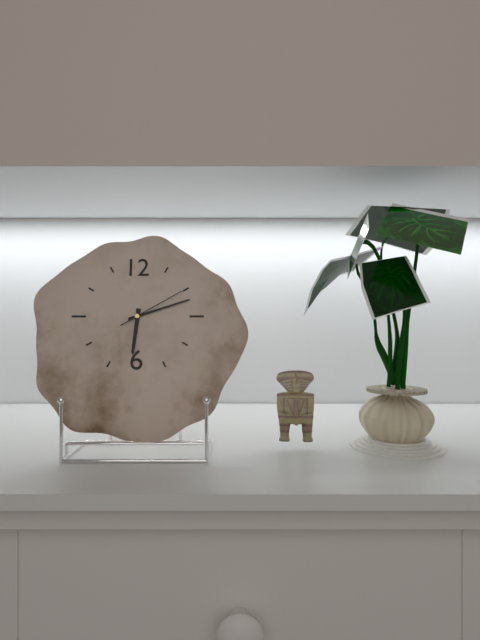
6:12:10
